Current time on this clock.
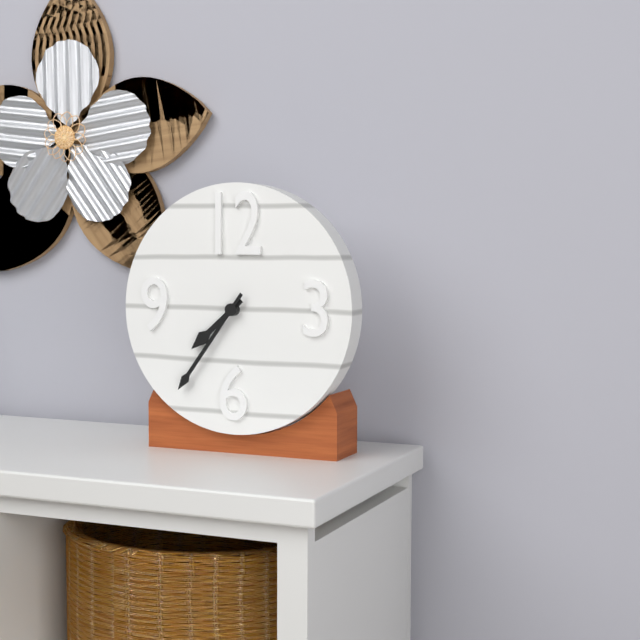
7:36
